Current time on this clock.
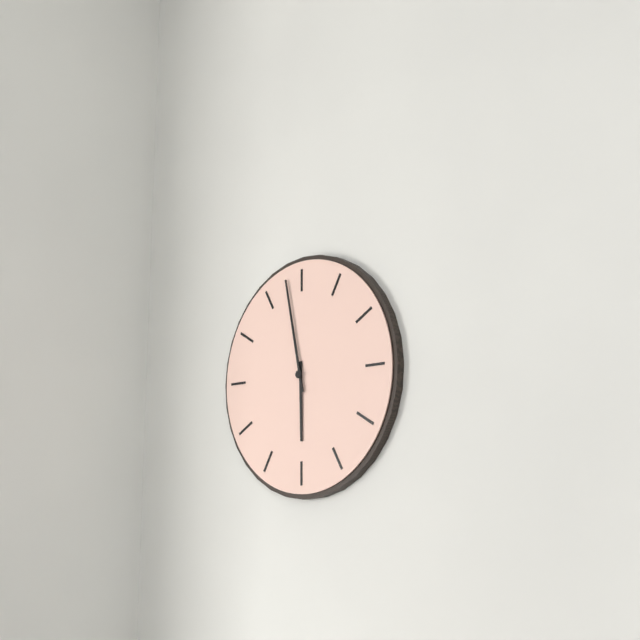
5:58
